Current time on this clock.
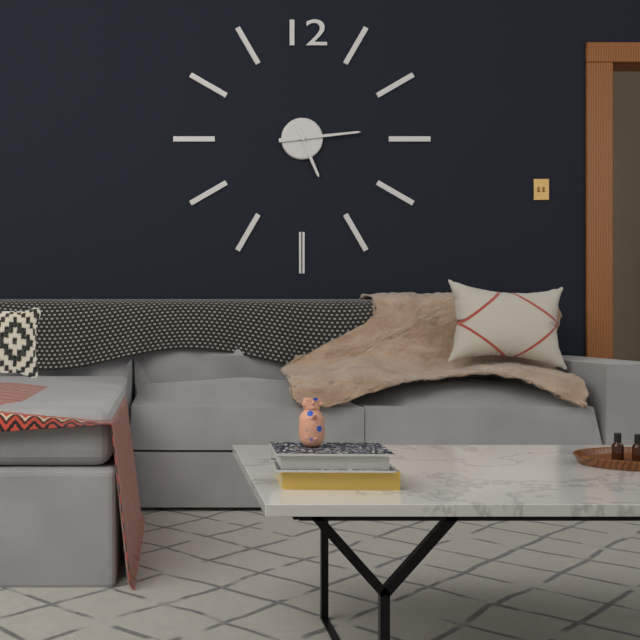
5:14
